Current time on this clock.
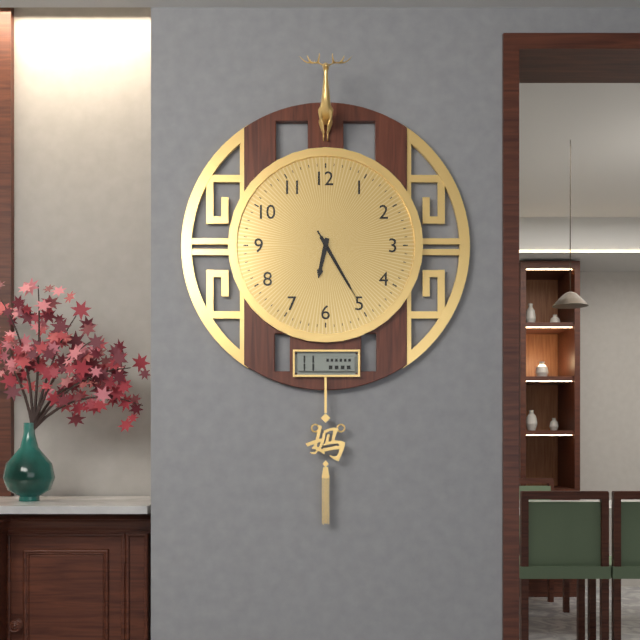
6:25:25
